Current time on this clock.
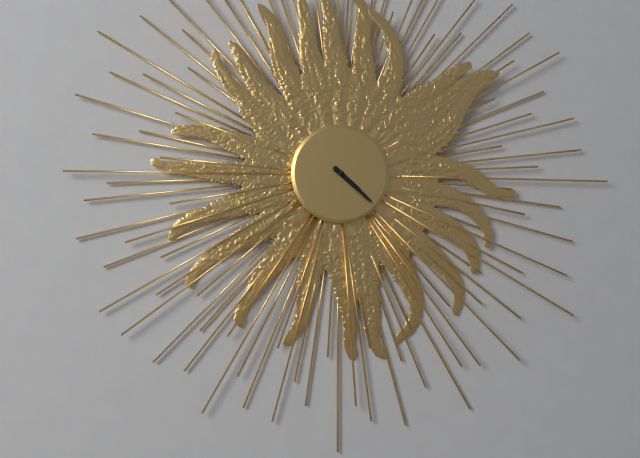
4:22
